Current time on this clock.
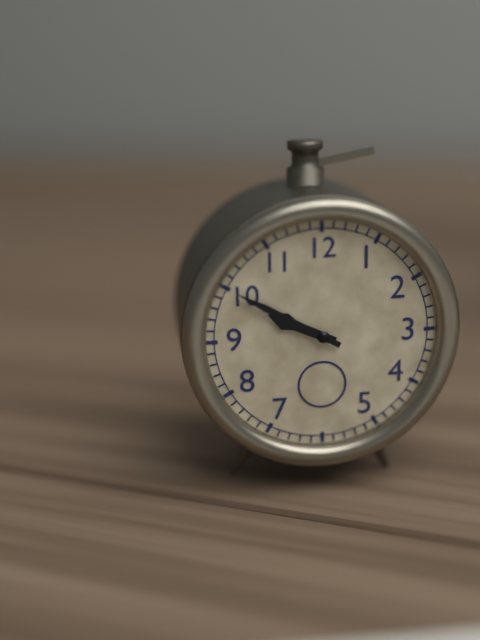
9:50
